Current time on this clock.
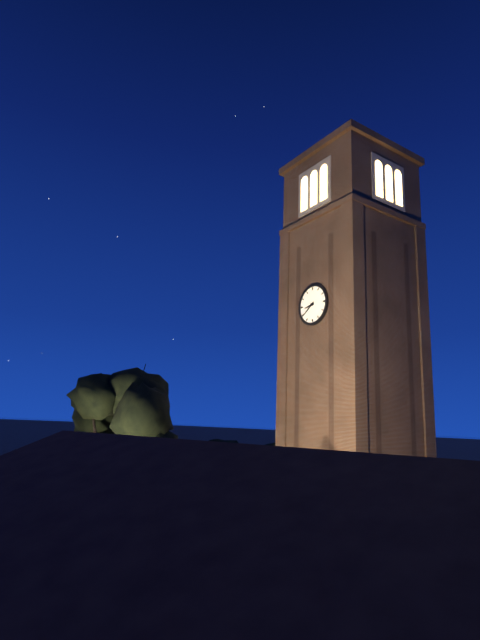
8:39
